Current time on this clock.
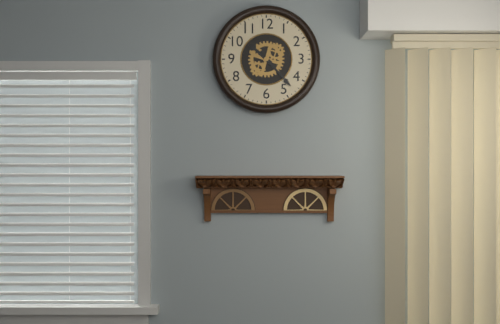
10:23
